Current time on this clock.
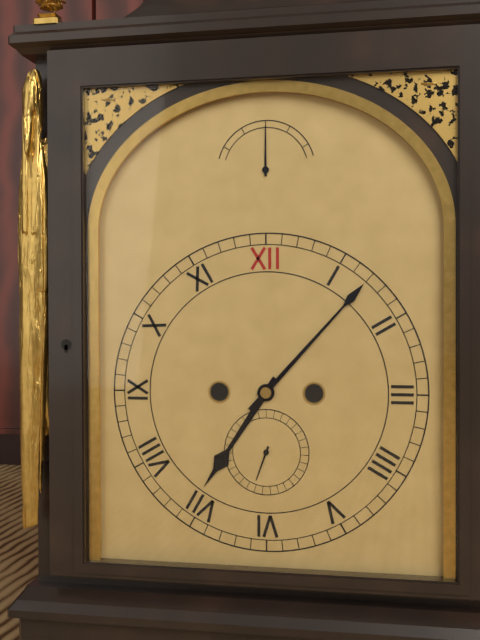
7:07
